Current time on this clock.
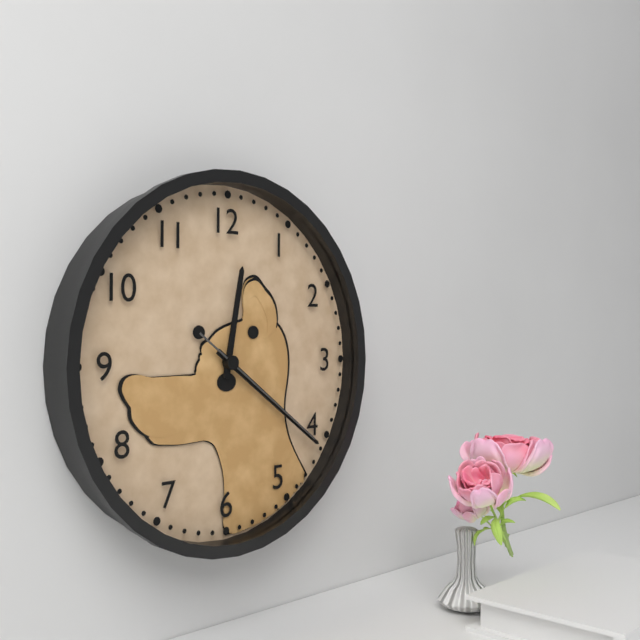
12:21:21
